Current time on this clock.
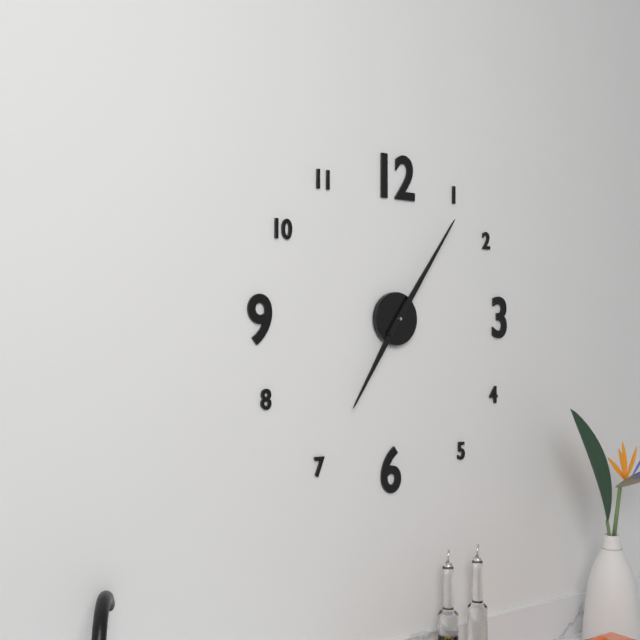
7:06
